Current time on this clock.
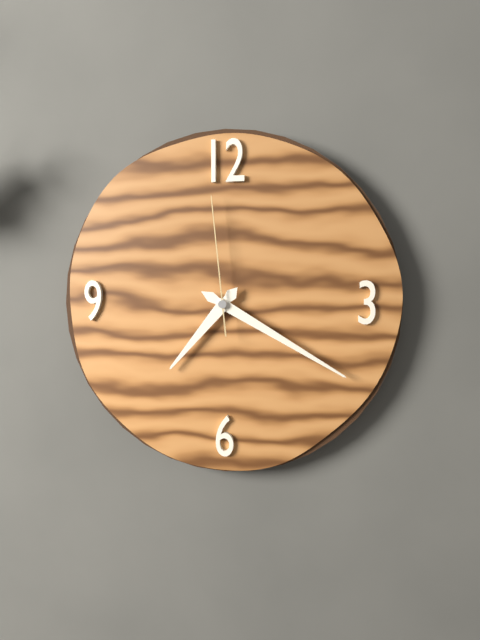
7:20:59
